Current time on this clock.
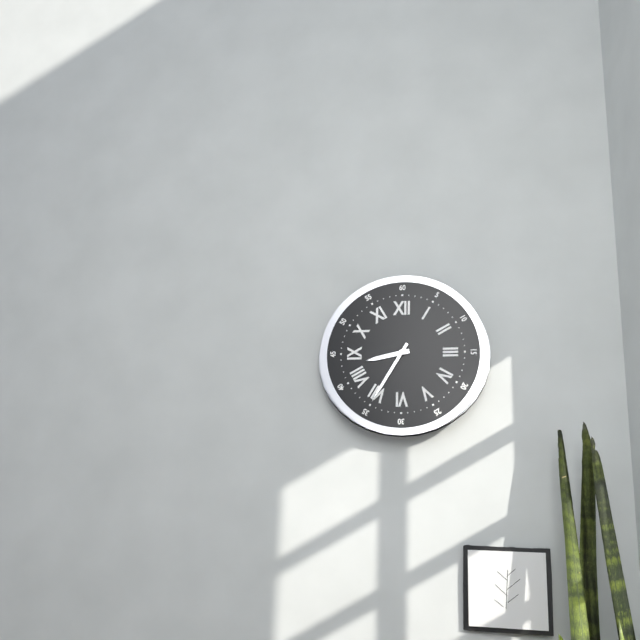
8:35
